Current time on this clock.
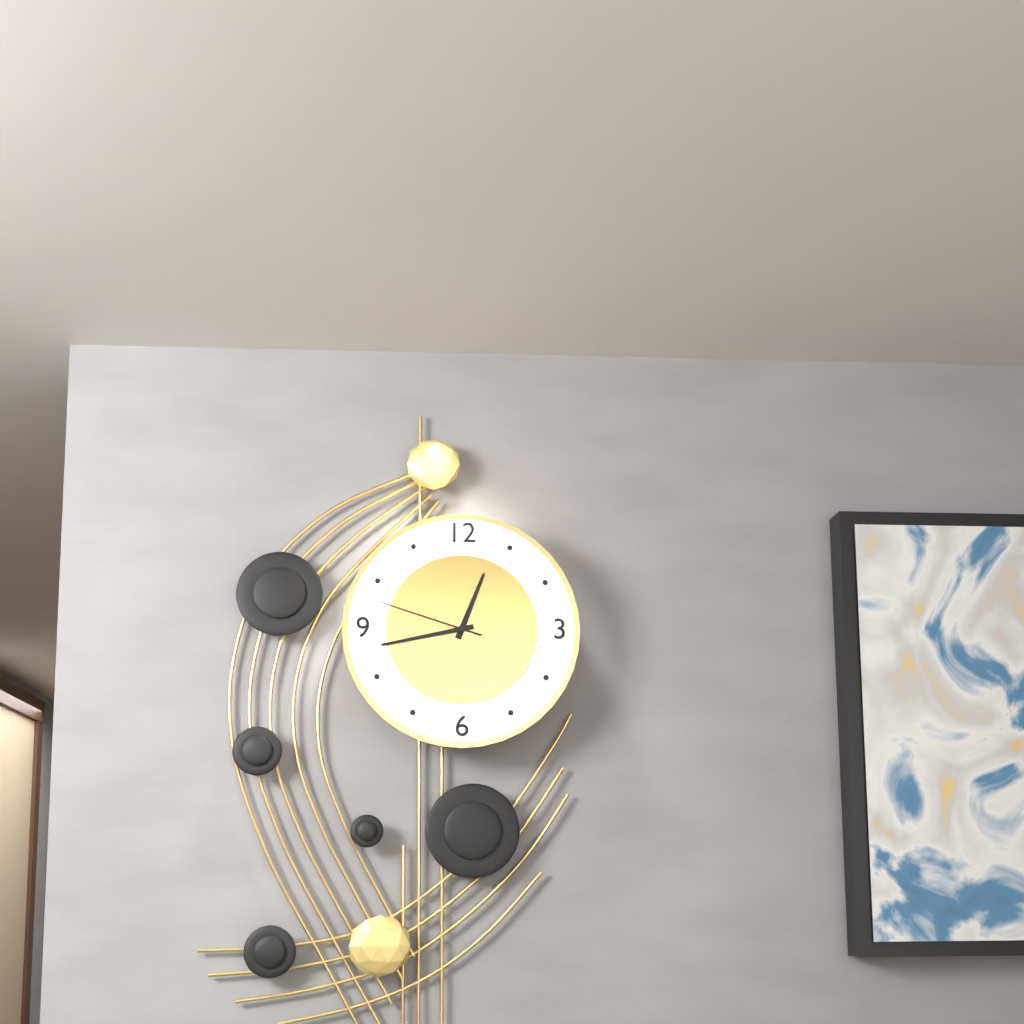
12:43:48
